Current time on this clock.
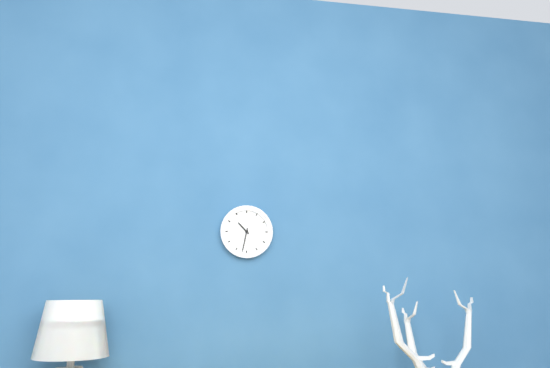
10:32
